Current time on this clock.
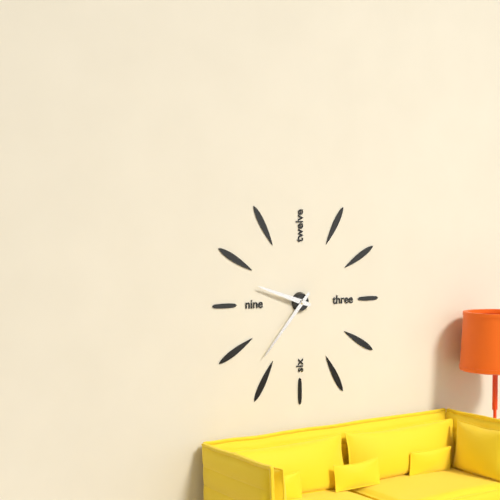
9:37
